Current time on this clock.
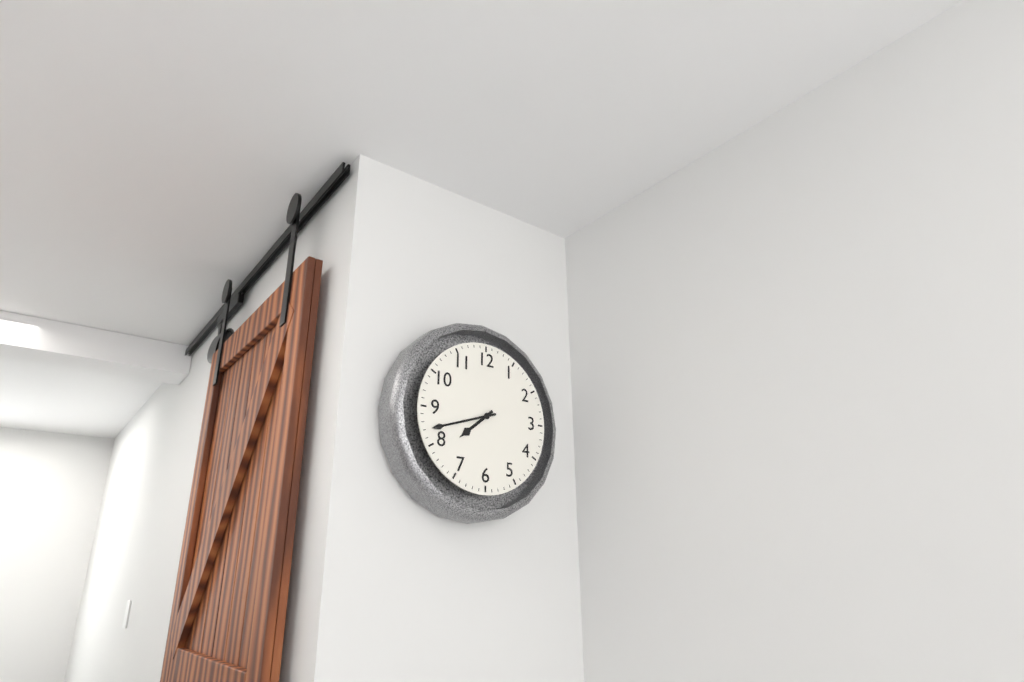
7:42
